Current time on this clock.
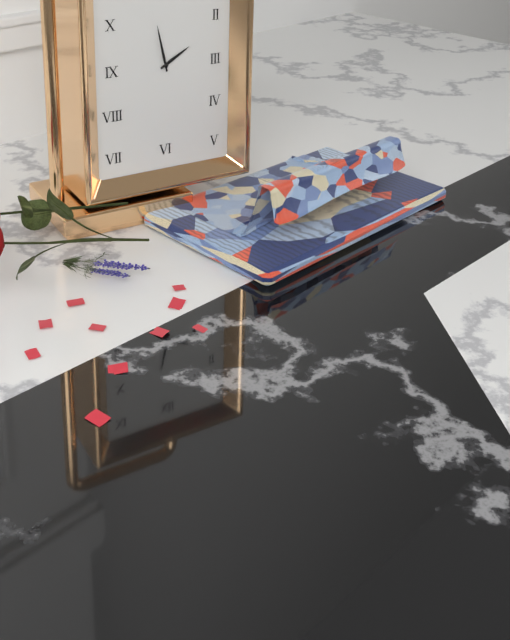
1:58
